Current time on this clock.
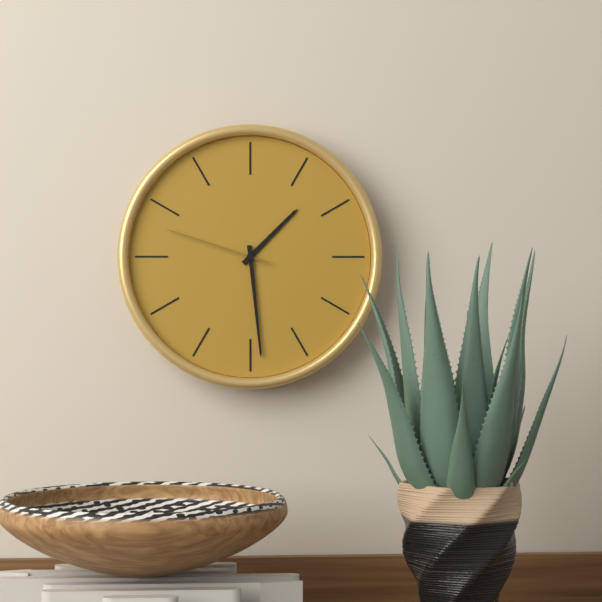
1:29:48
